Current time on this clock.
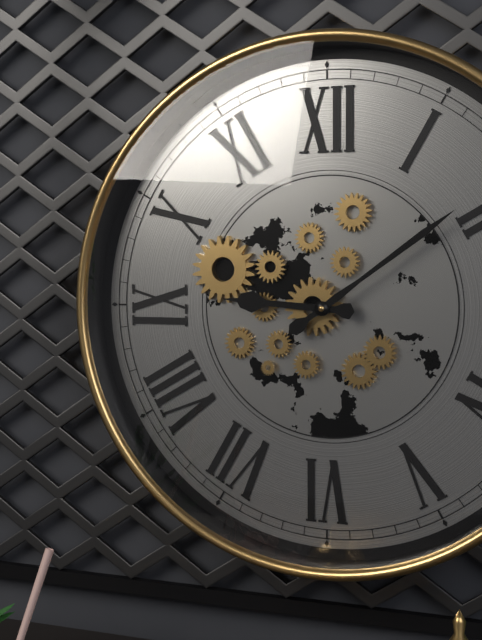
9:09
